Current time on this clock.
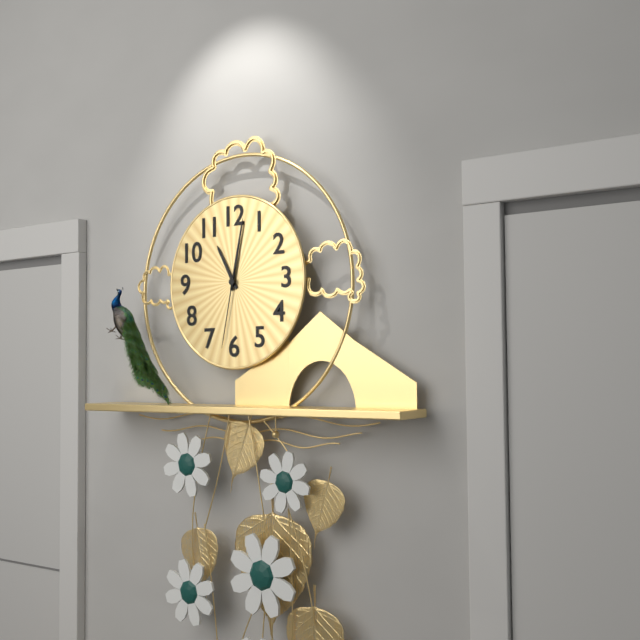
11:02:32
